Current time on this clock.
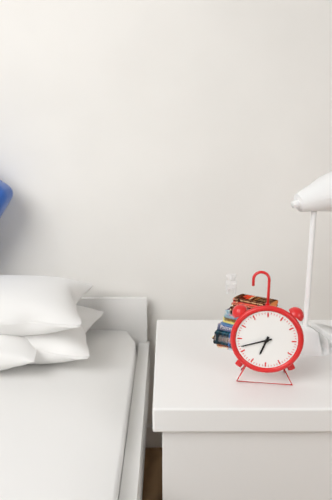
6:42
